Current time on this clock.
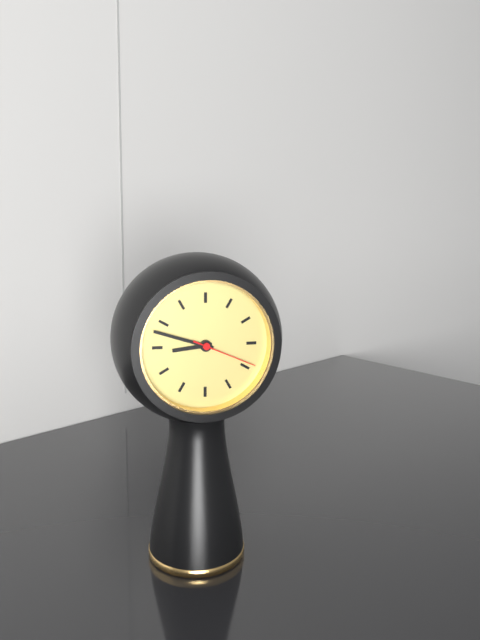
8:48:19
